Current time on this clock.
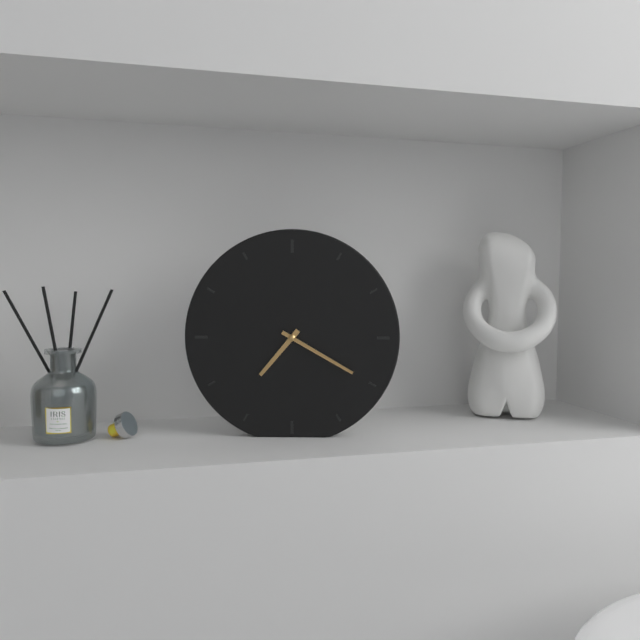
7:20
